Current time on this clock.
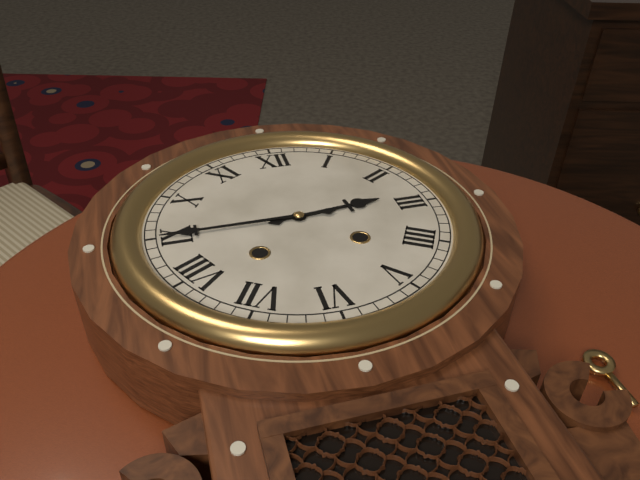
2:45
